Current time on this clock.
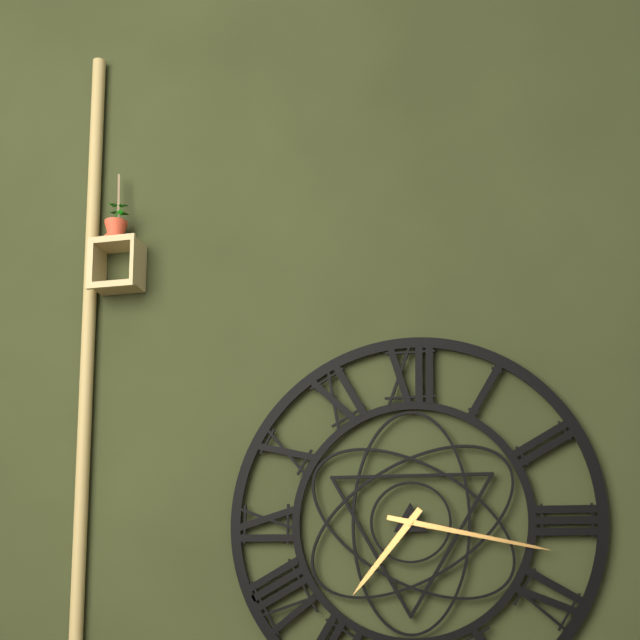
7:17
